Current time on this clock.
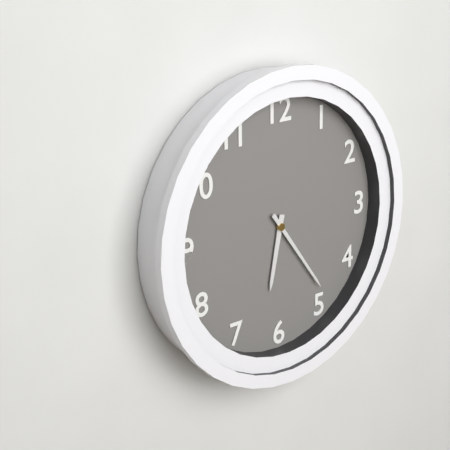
6:24
